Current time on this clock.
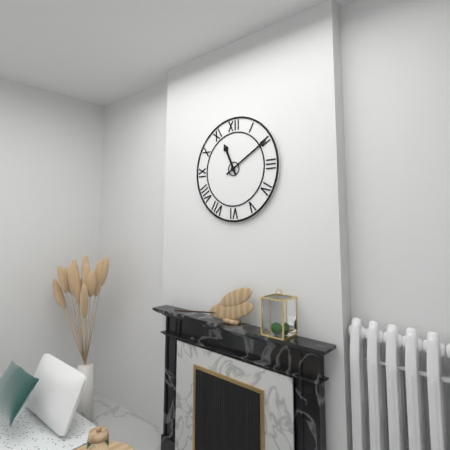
11:10
